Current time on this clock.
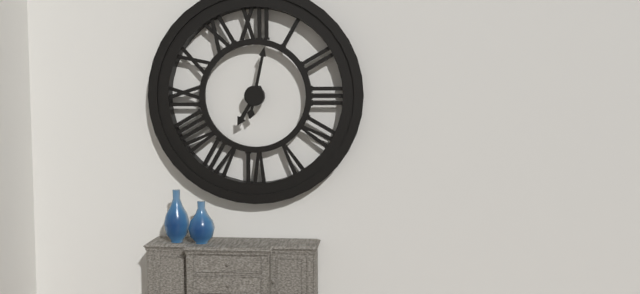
7:02
